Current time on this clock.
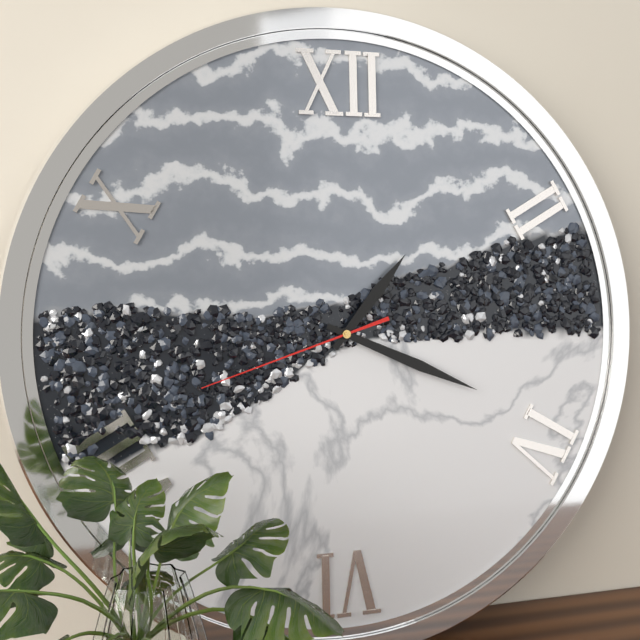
1:19:42
